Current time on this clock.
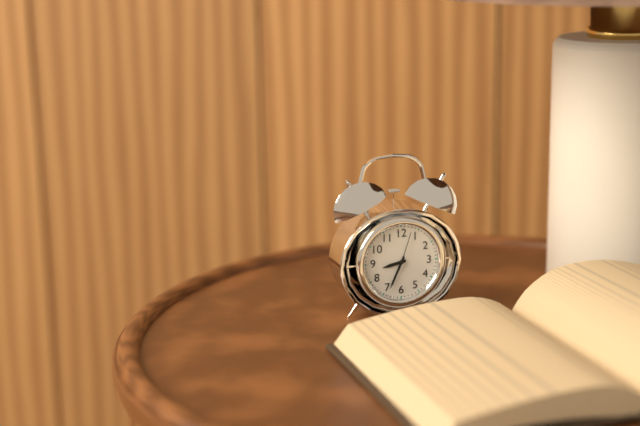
8:34
